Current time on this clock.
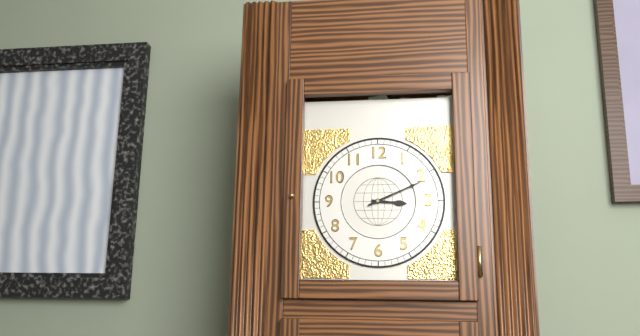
3:11
